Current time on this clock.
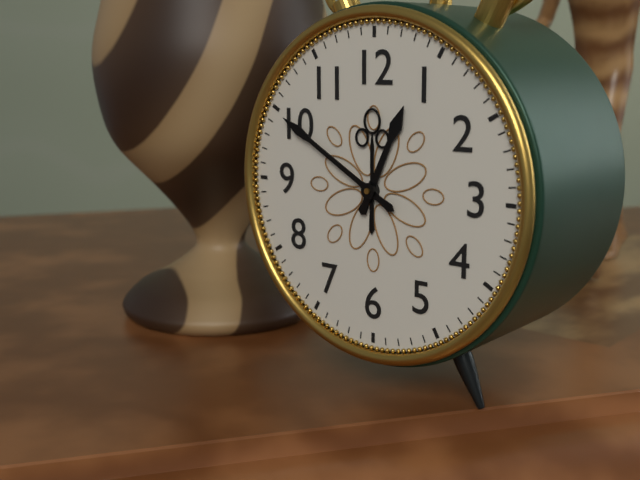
12:50
